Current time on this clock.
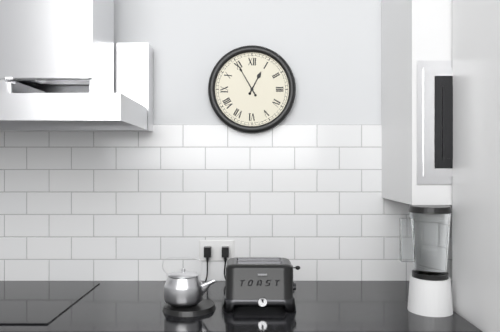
12:55
